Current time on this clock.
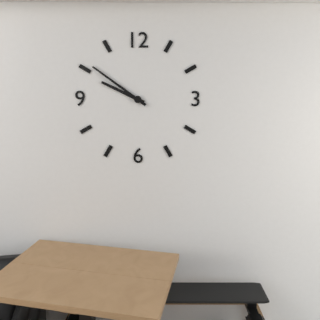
9:51
